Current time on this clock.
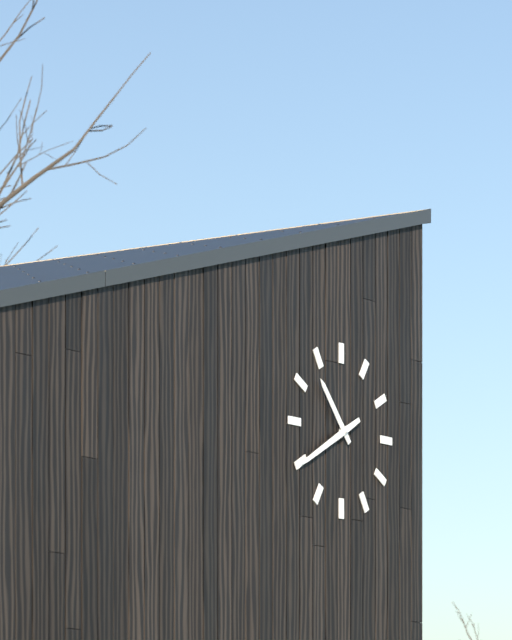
10:40
